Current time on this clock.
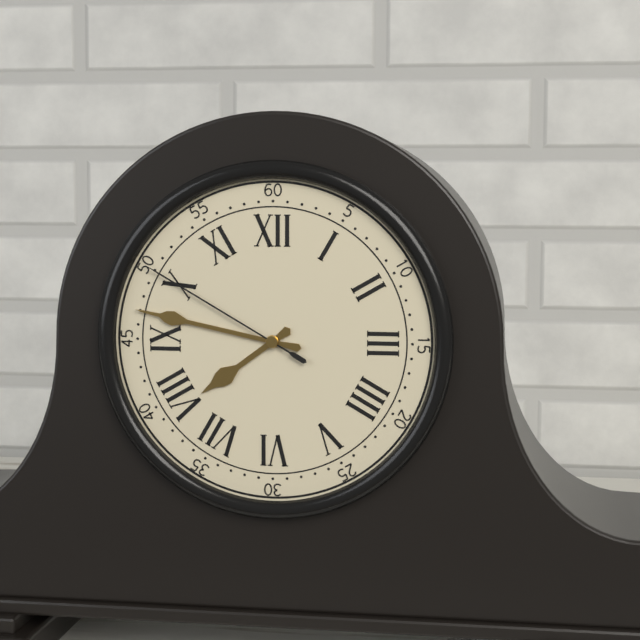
7:47:50
